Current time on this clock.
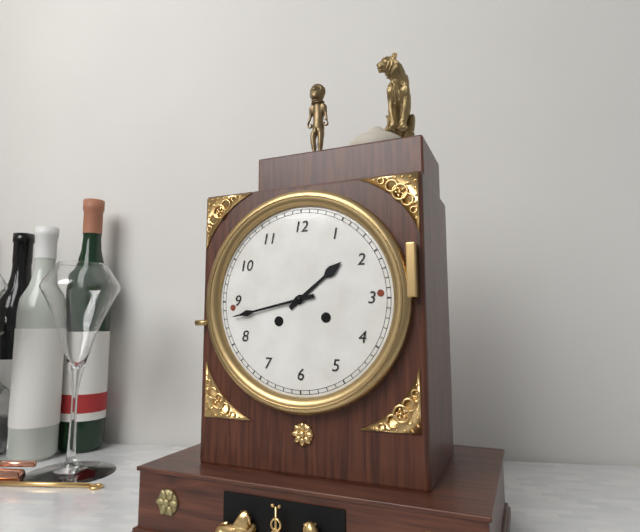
1:43
